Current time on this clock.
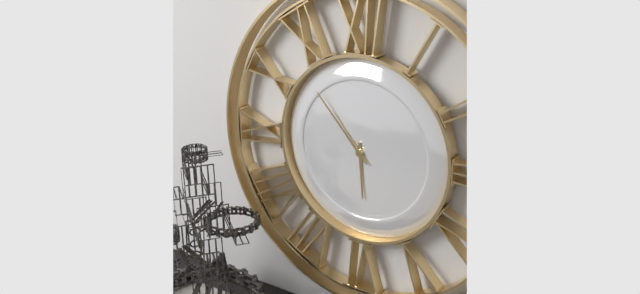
5:53
